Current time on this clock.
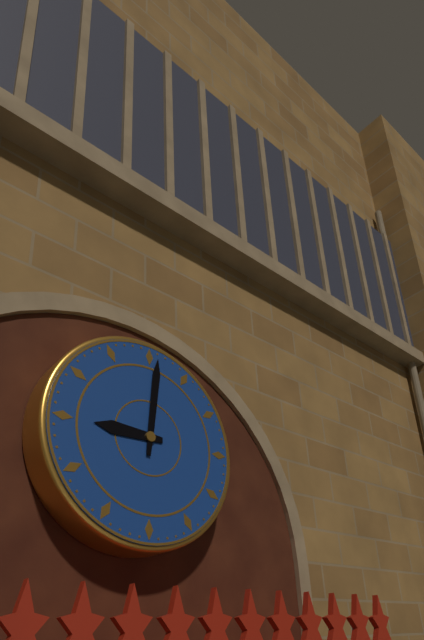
9:01
